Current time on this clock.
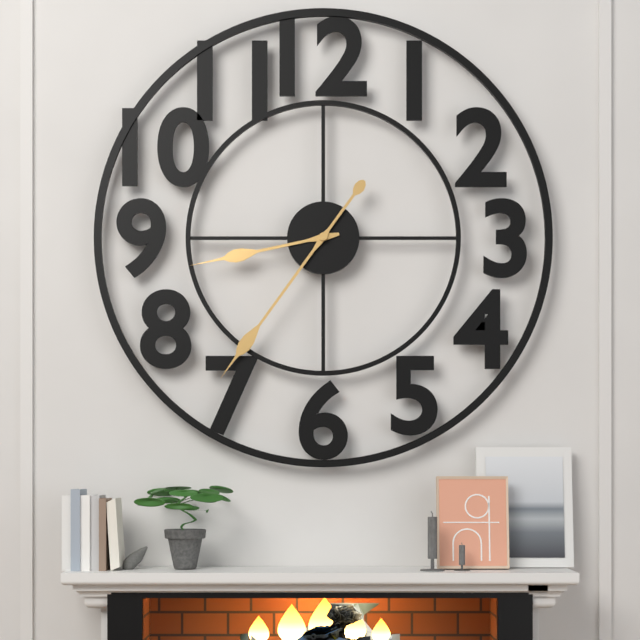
8:36
